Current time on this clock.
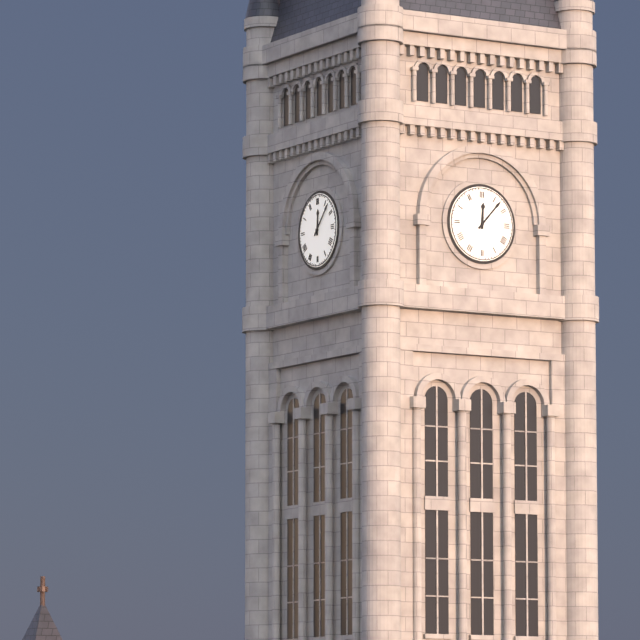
12:07
